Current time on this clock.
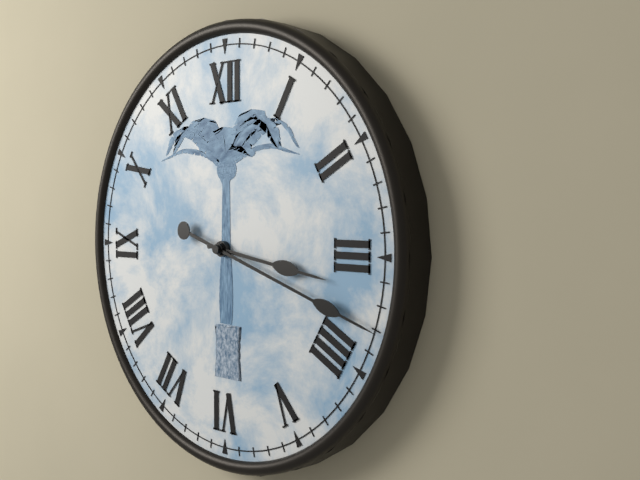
3:18
